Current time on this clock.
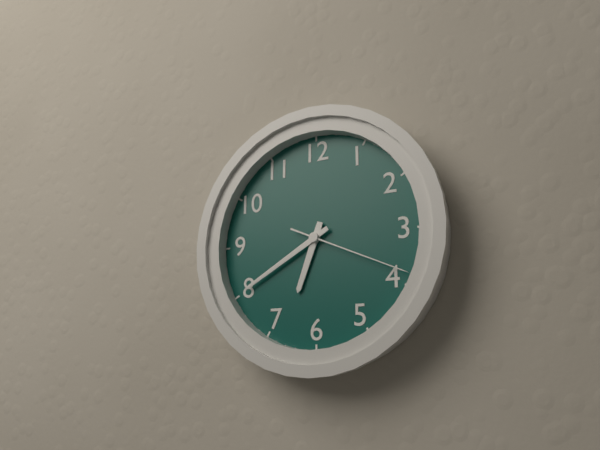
6:40:19
